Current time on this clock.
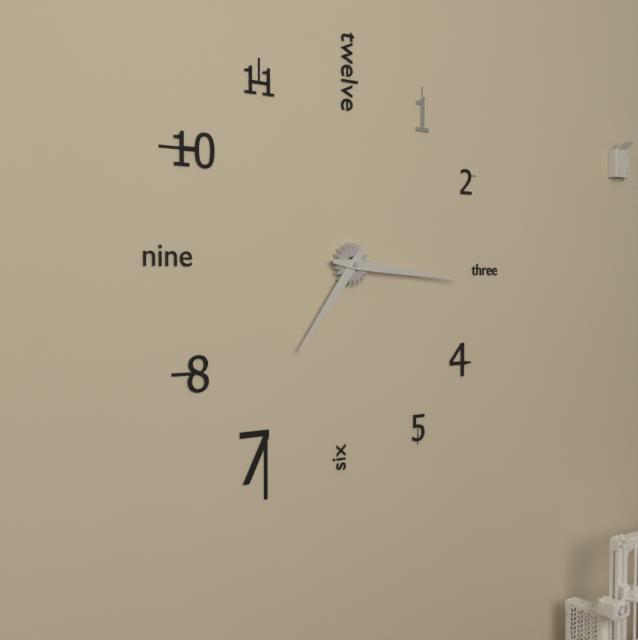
7:16
